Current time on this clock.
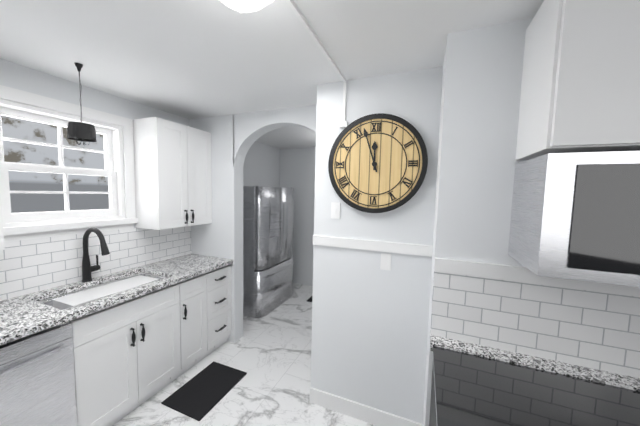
11:57
